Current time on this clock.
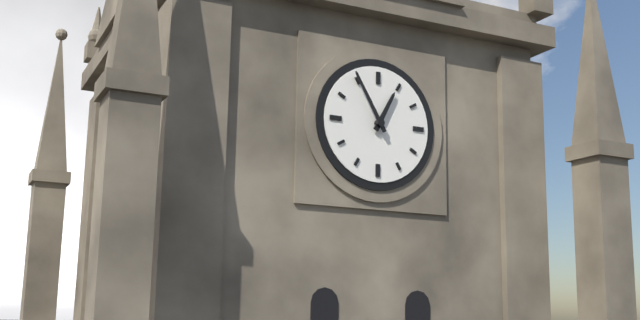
12:55
